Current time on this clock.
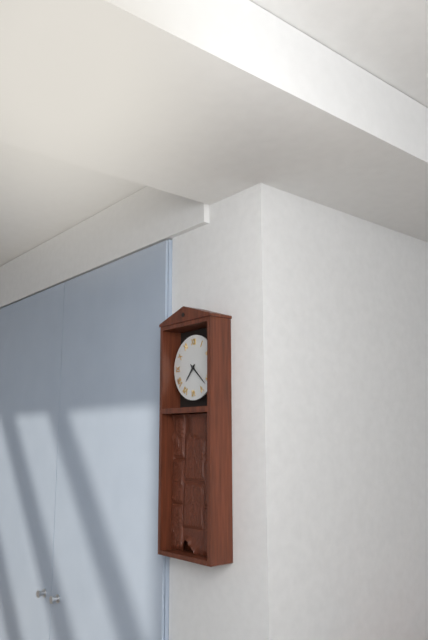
7:22
